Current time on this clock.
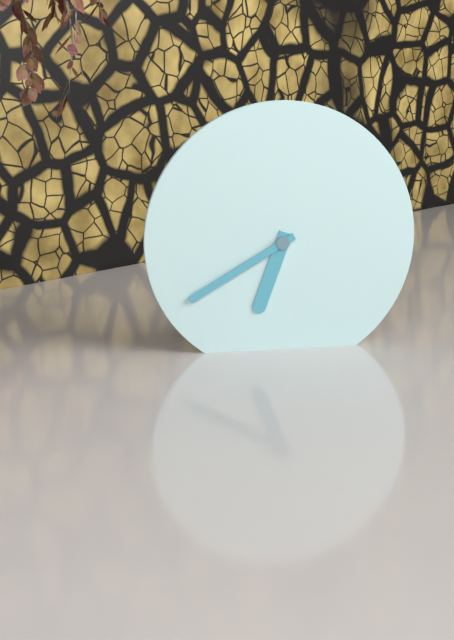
6:40
